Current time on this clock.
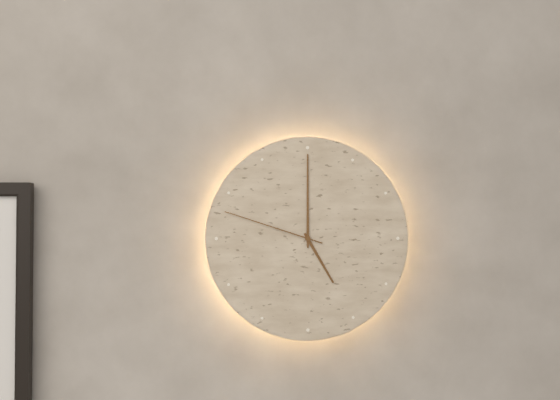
5:00:48
